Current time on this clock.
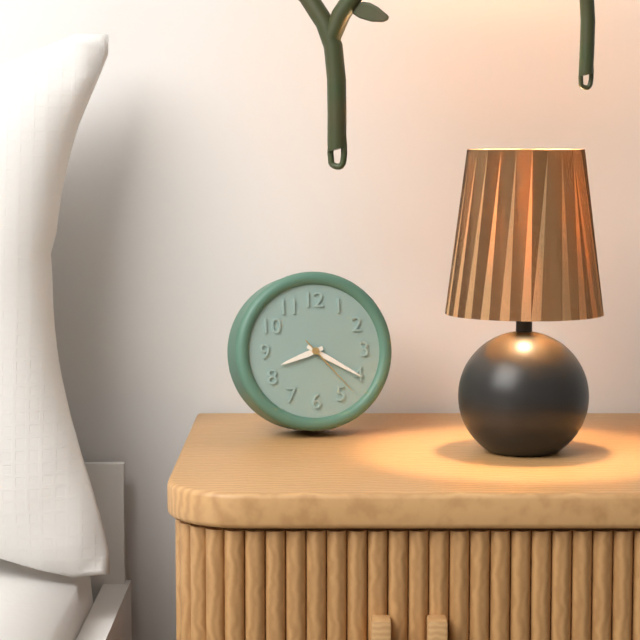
8:20:23
